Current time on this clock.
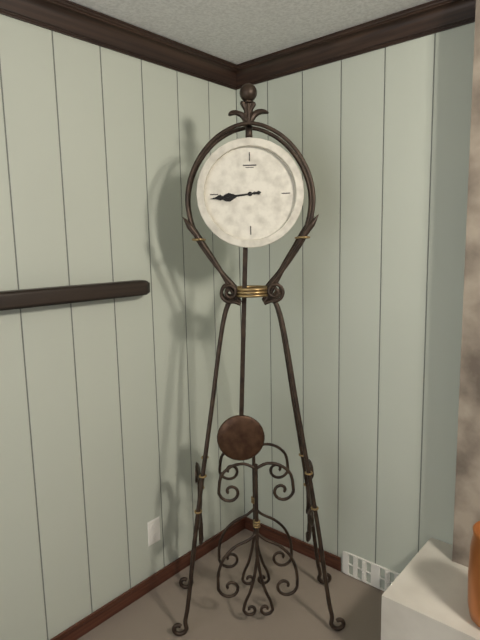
8:44
